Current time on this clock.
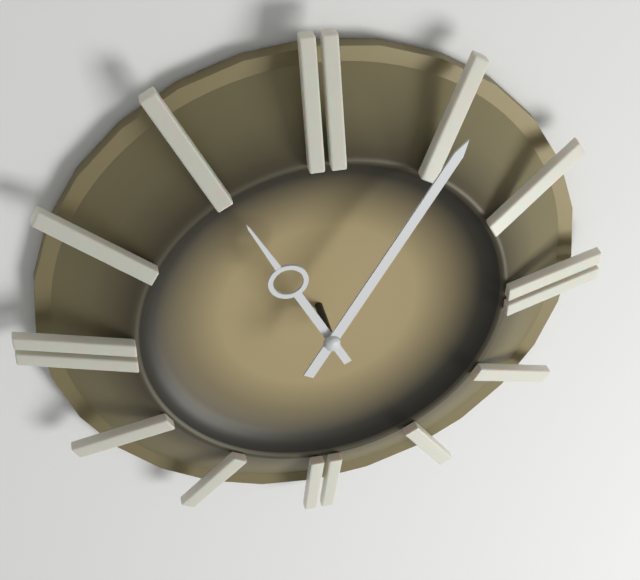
11:05
